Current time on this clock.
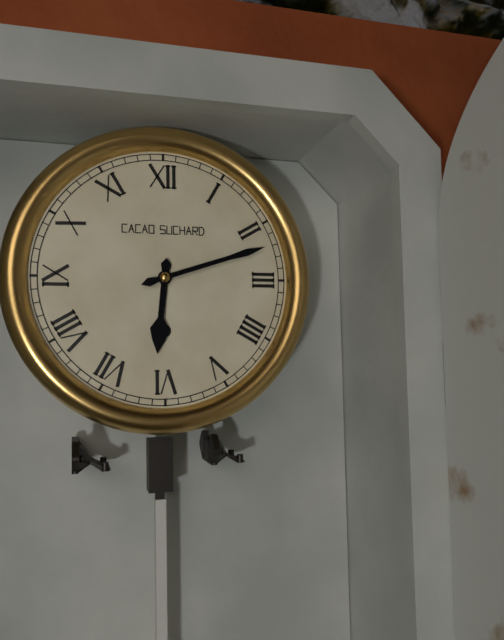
6:12
